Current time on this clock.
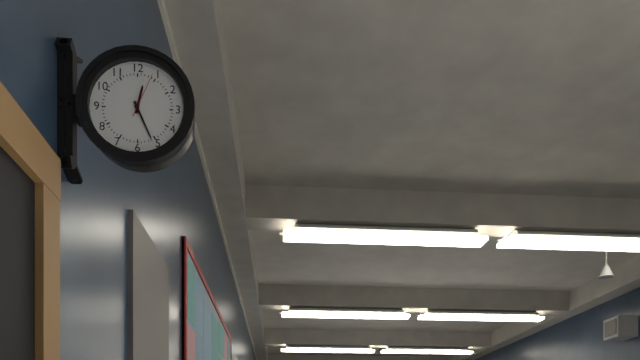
12:26
